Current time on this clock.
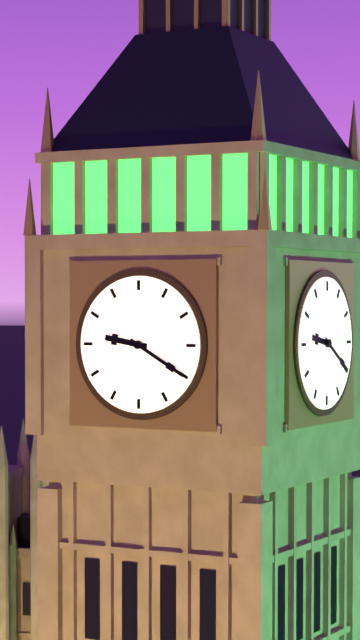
9:20
